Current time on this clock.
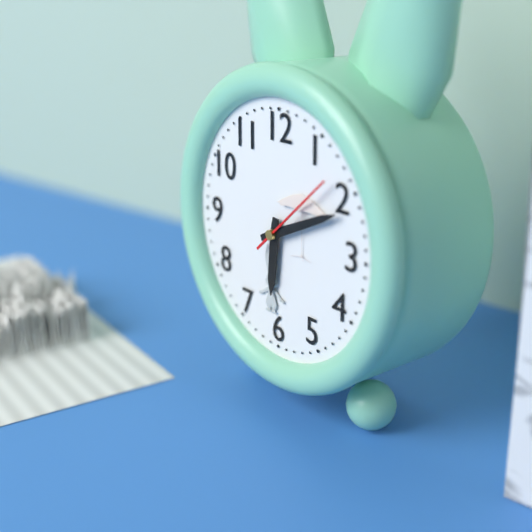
6:11:08
